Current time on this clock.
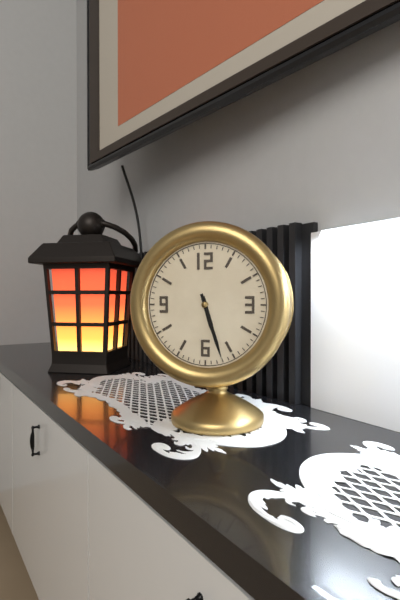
5:27
